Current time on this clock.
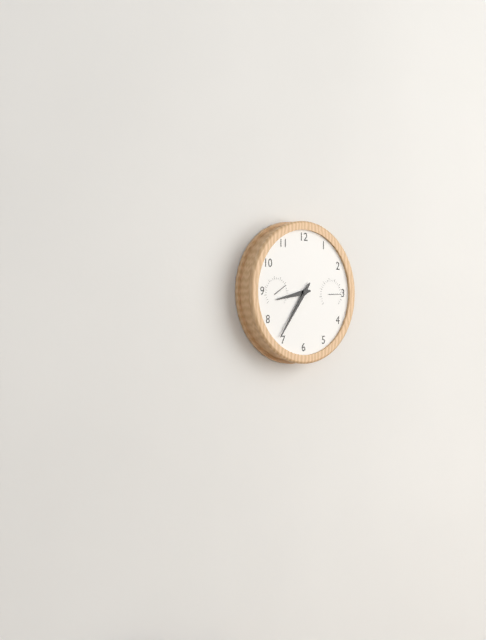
8:36
